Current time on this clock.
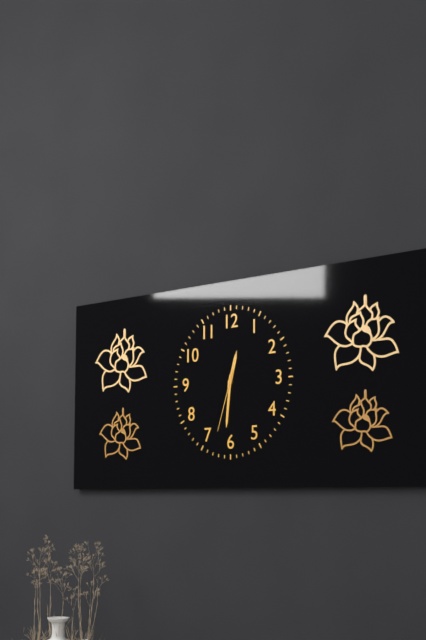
12:31:33
